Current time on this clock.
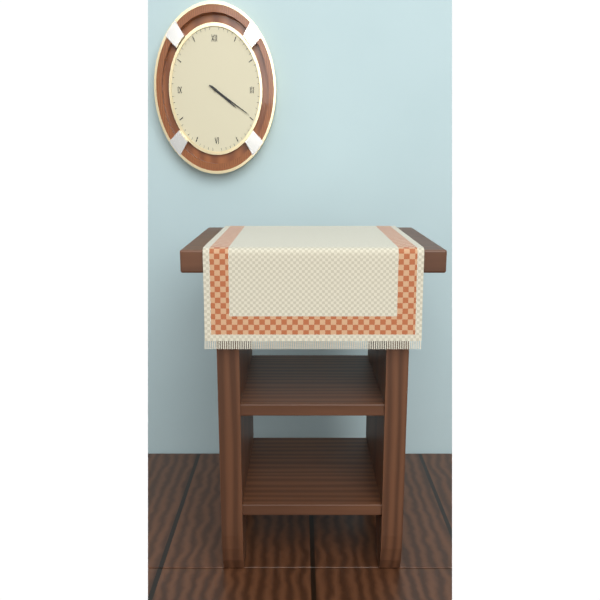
4:21
